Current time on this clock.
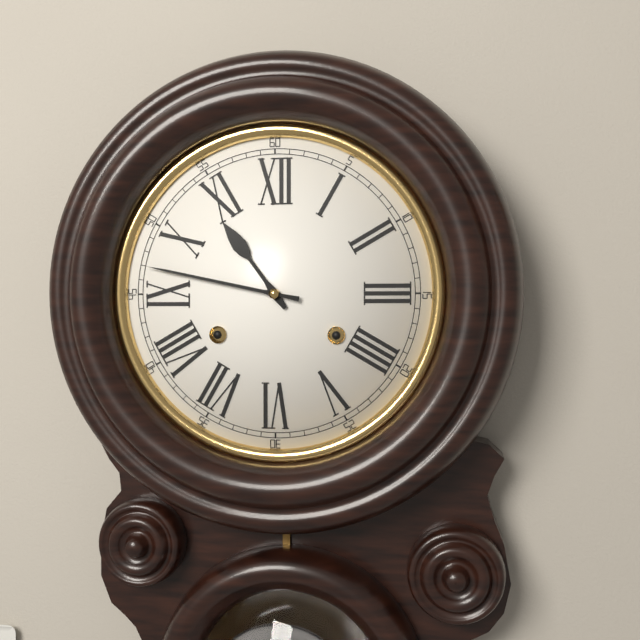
10:47
